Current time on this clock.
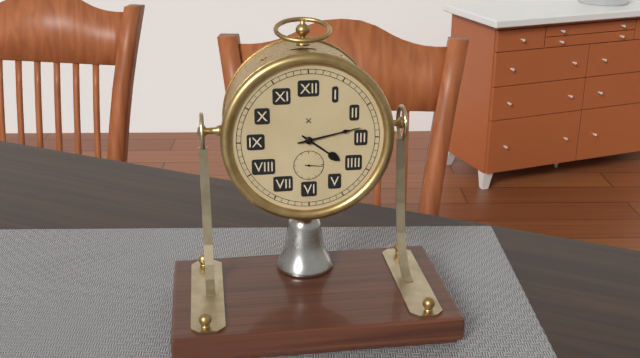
4:13
